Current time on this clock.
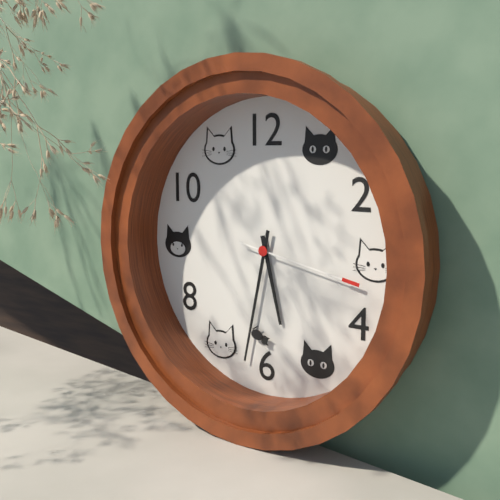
5:32:17
